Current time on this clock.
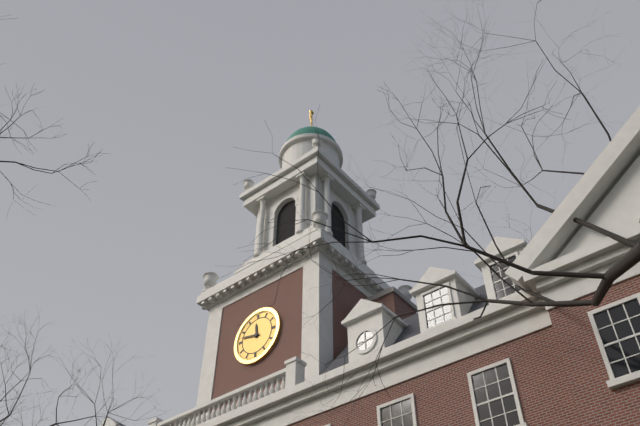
11:47
